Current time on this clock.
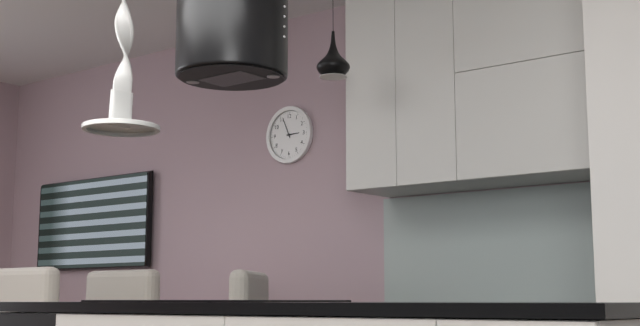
2:56
